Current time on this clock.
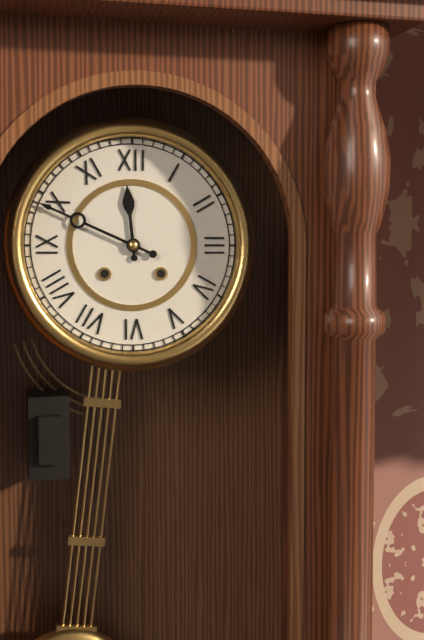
11:49
